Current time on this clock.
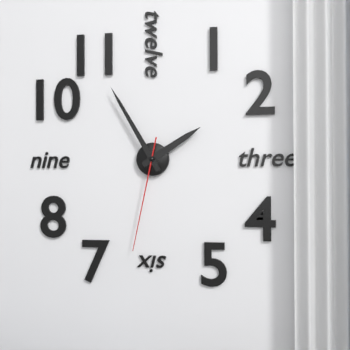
1:55:32
